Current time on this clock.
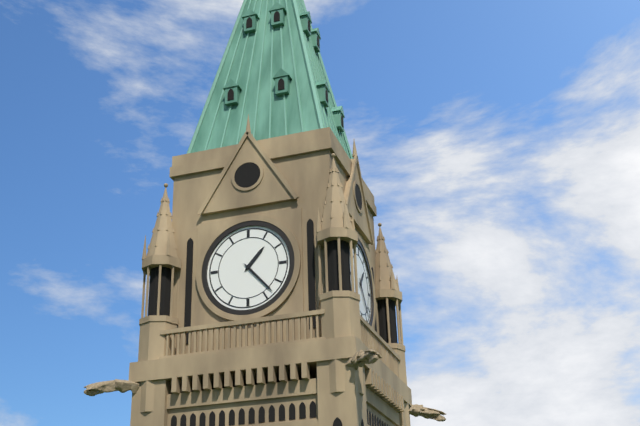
1:23
